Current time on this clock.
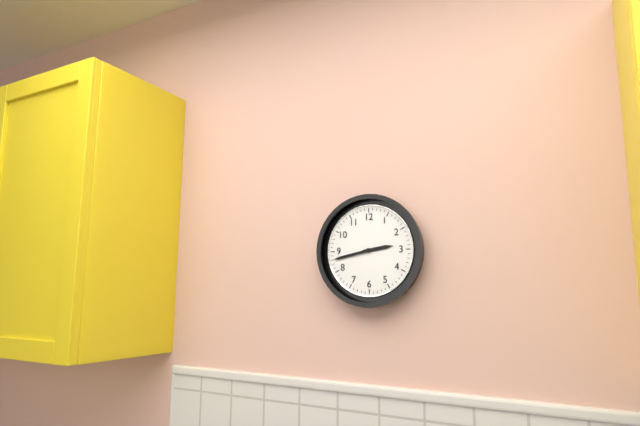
2:43
